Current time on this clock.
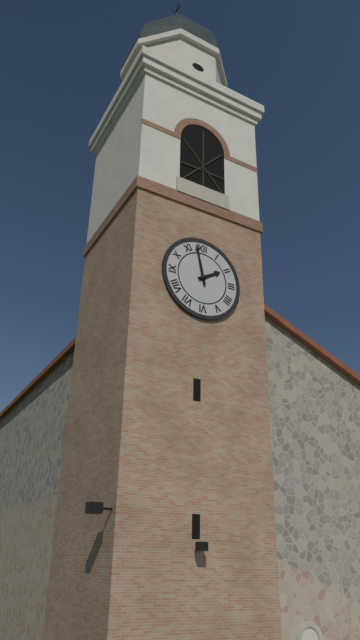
1:58
